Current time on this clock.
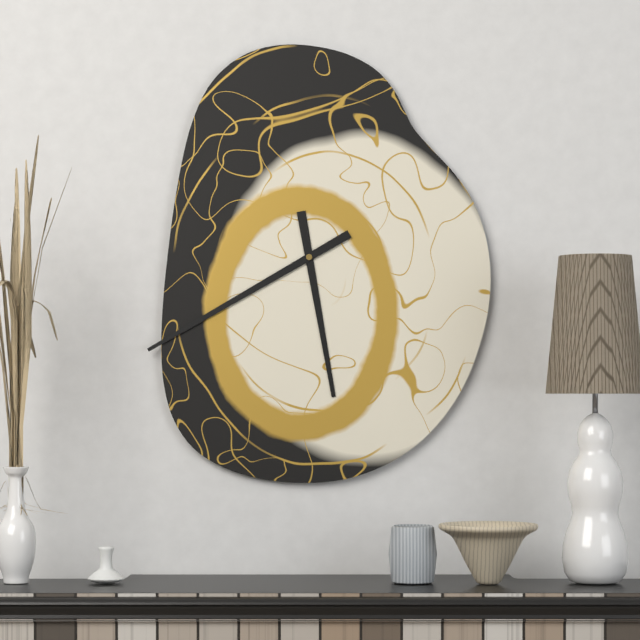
5:40
